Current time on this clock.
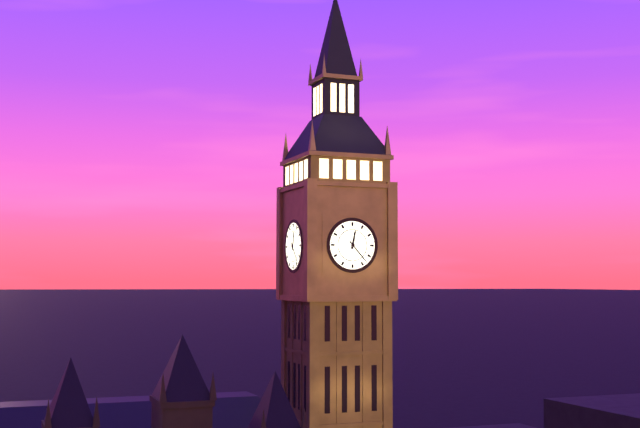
12:23
